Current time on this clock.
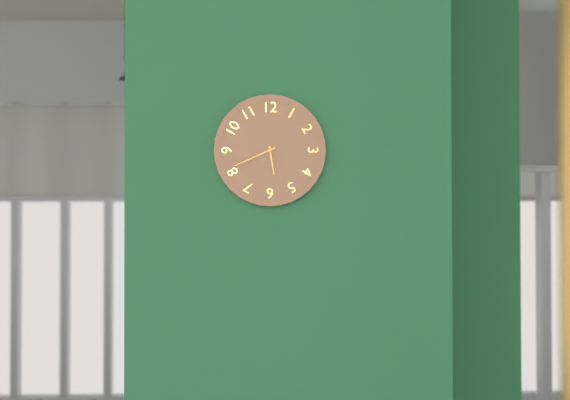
5:41
